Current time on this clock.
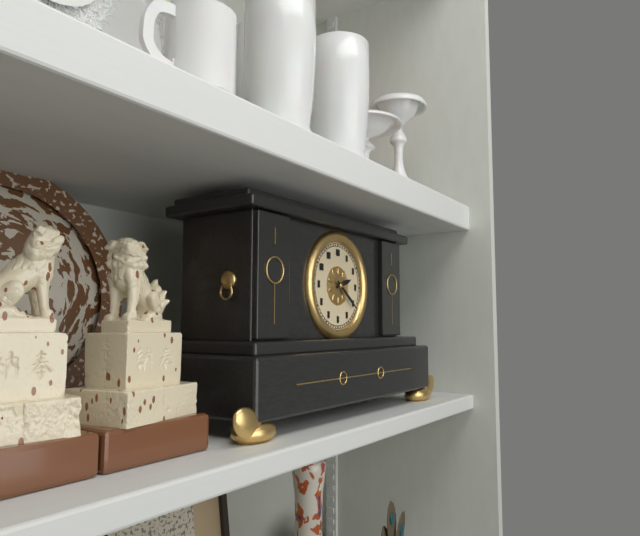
2:21
